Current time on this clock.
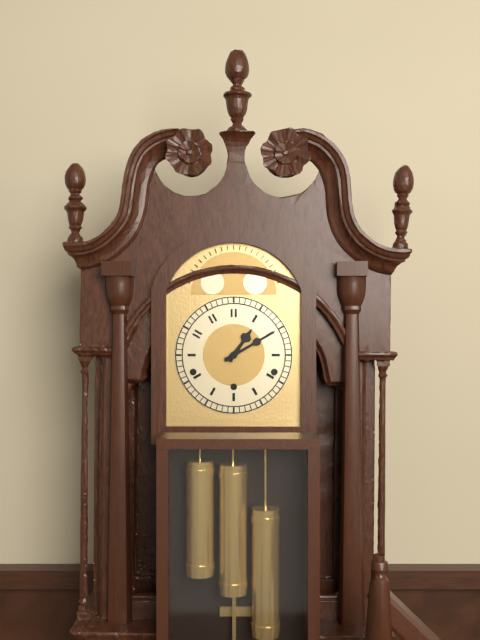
1:10
